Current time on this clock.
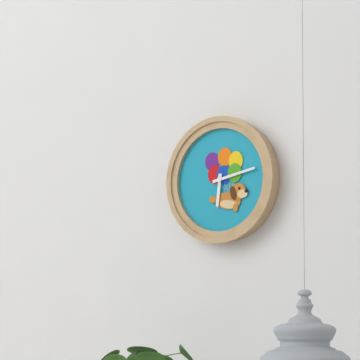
6:13
